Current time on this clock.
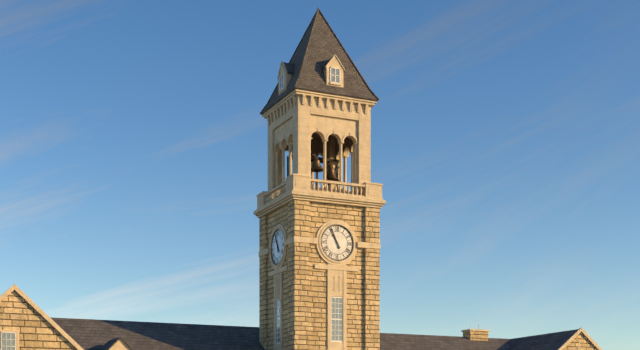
10:56
